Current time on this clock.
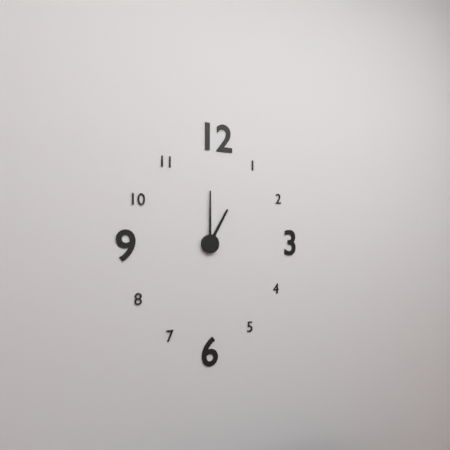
1:00
